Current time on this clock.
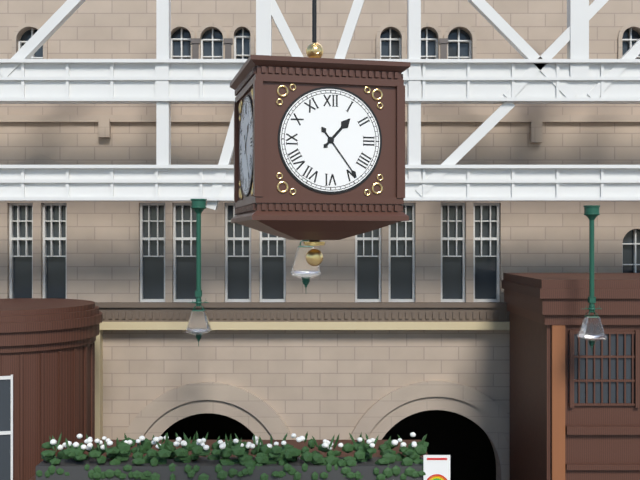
1:24
